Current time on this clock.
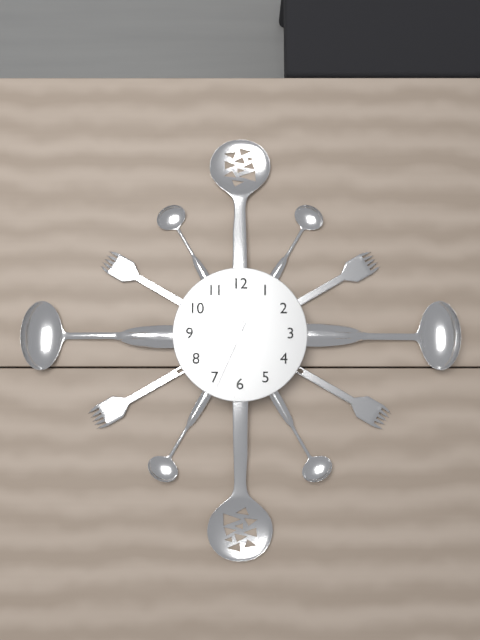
11:31:34
